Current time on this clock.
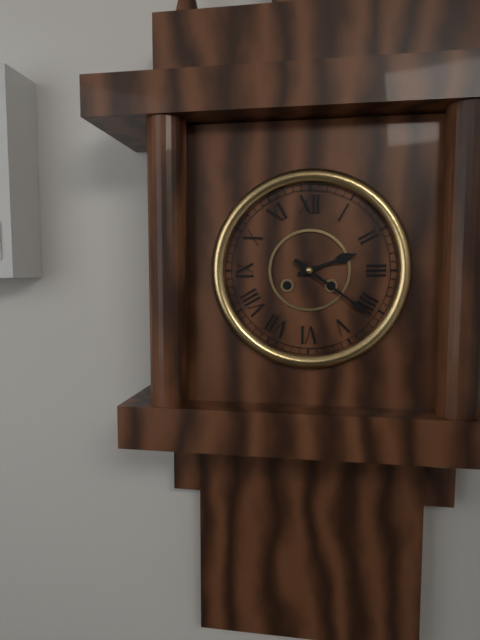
2:21
